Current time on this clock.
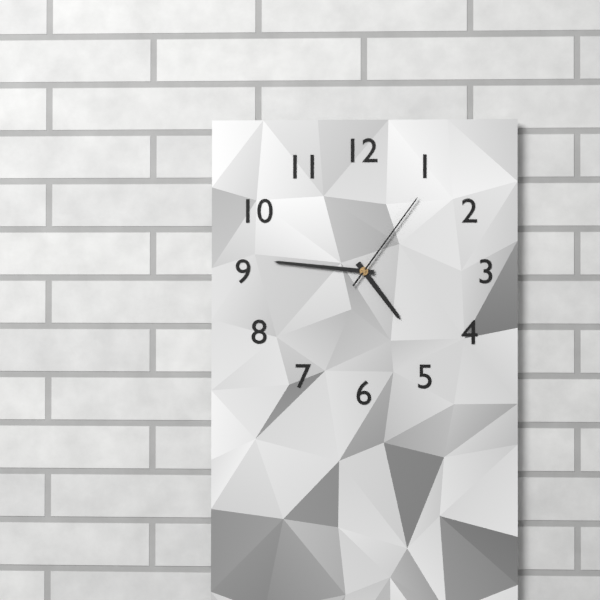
4:46:06
